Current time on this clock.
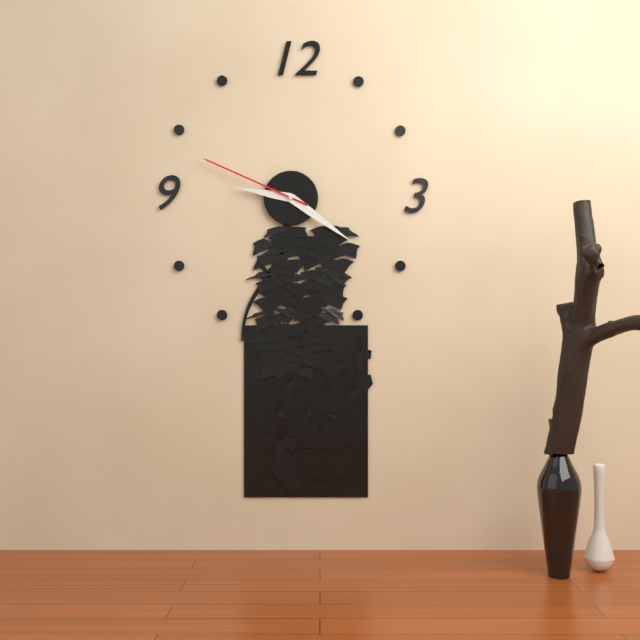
9:21:49
